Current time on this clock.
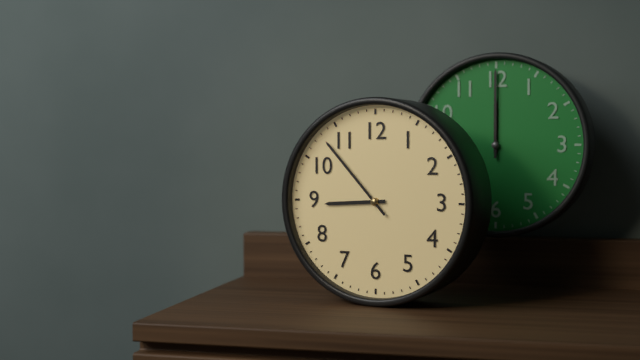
8:53
